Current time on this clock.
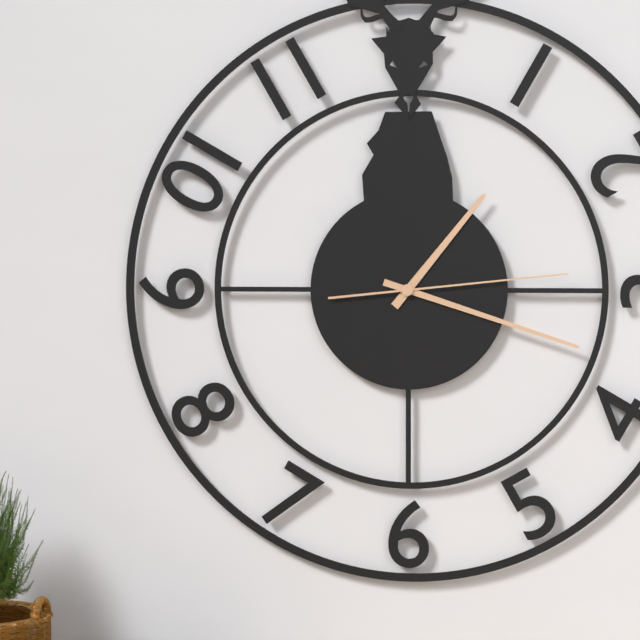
1:18:14
